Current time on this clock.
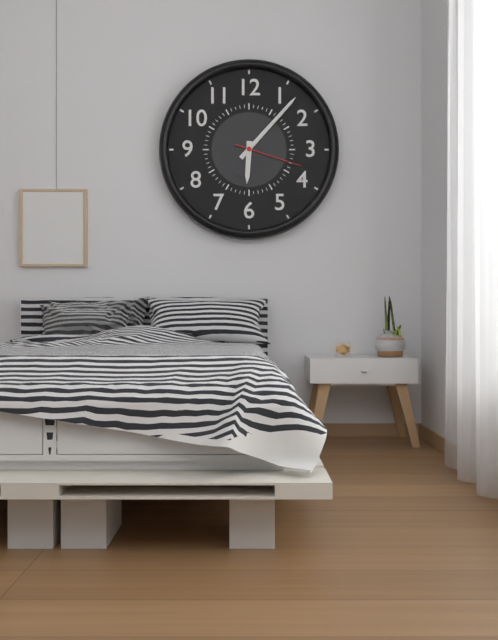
6:07:18
